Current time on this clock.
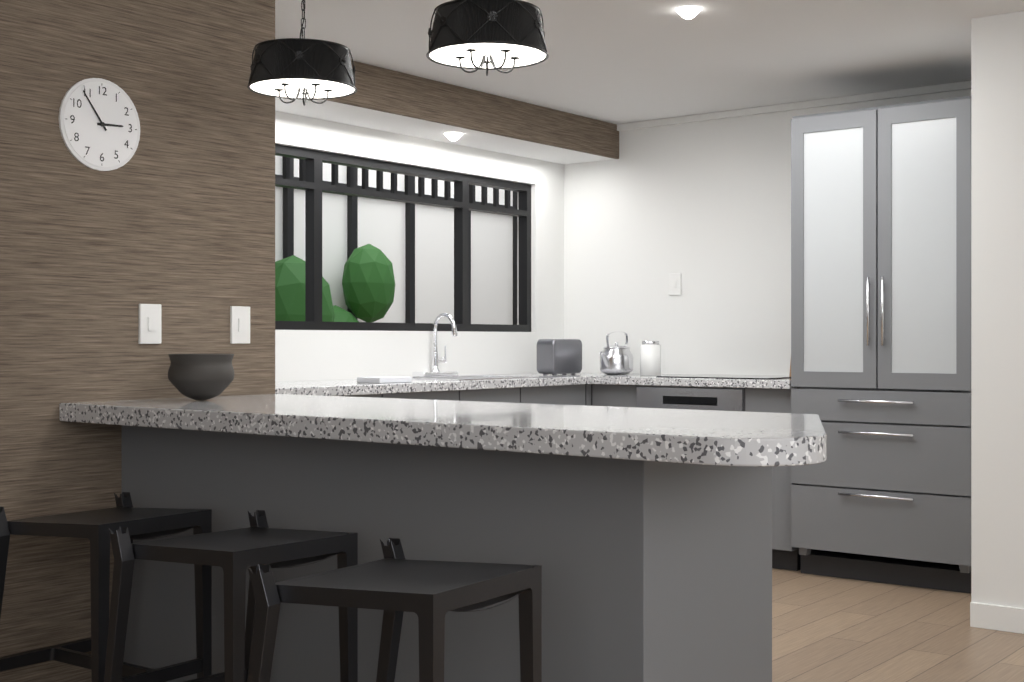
2:54
